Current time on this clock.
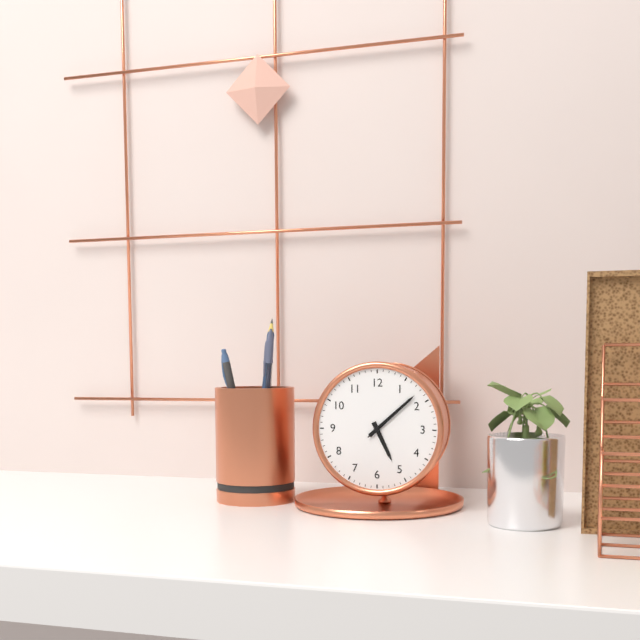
5:08:08
